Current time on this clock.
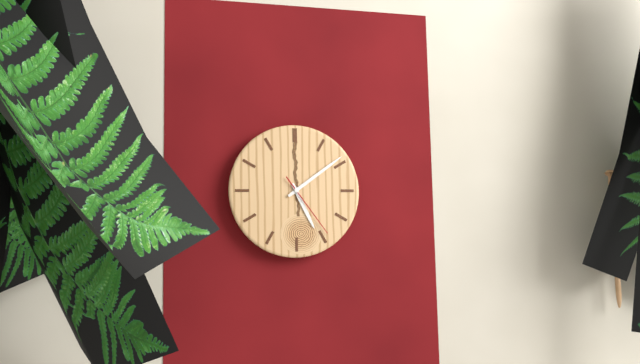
5:09:24
